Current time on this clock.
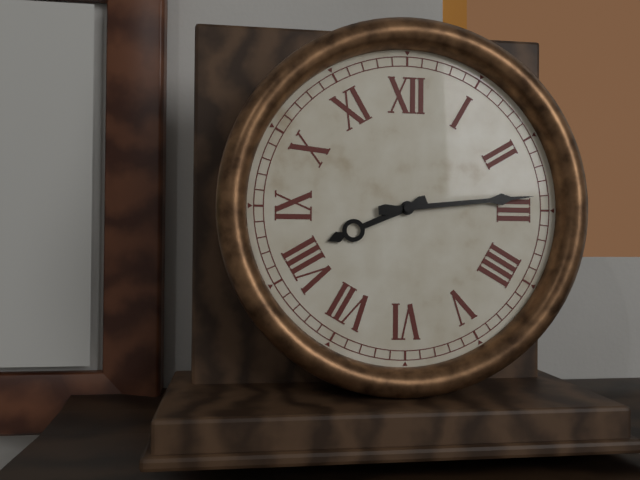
8:14
